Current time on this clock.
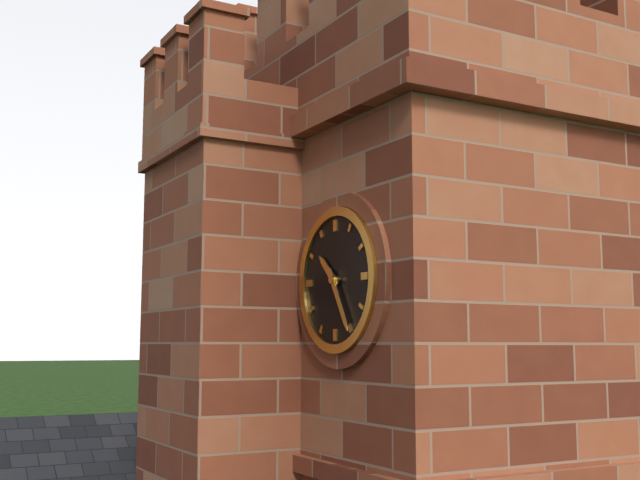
10:25
